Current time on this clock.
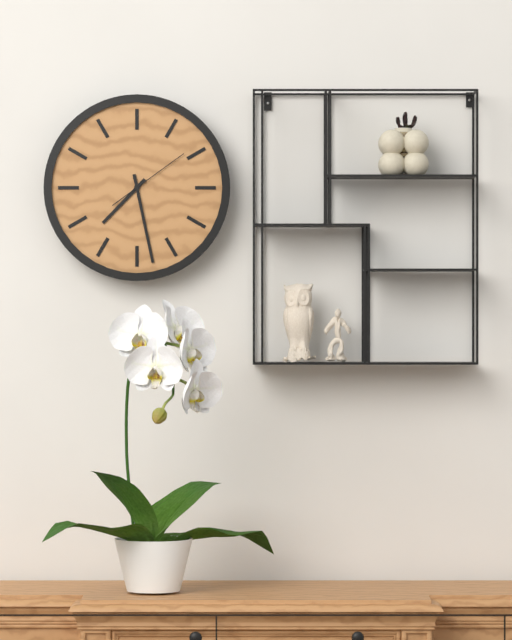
7:28:09
